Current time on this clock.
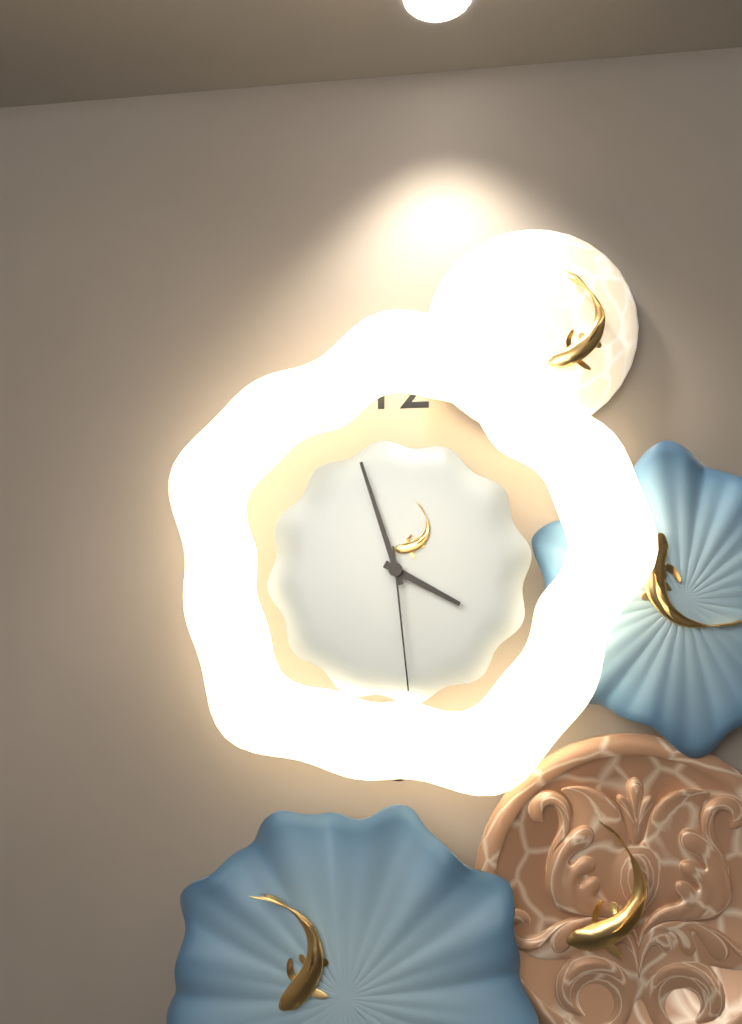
3:57:29
